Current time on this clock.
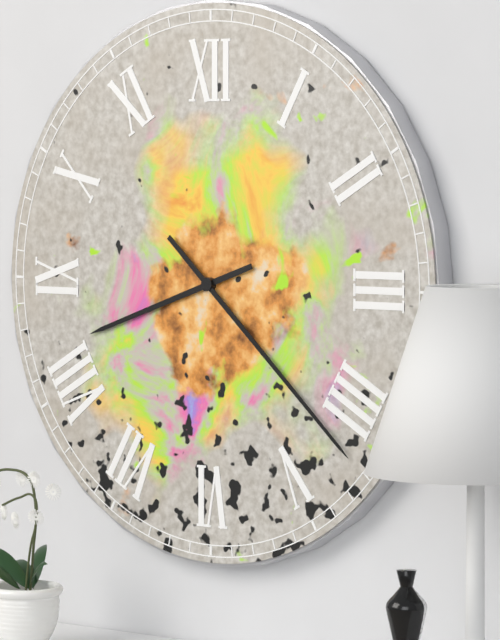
8:22
